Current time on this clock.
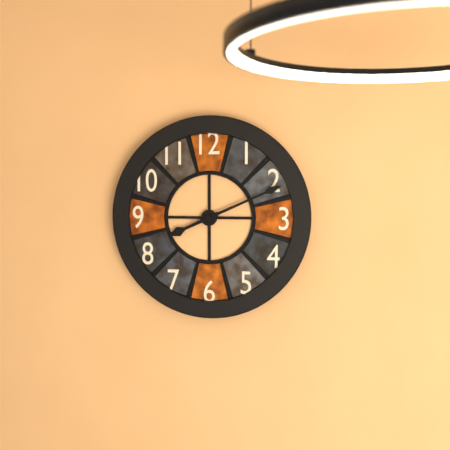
8:11
